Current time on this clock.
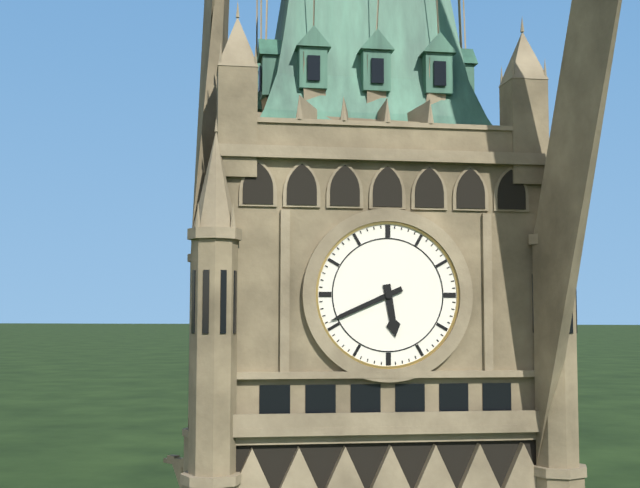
5:41
